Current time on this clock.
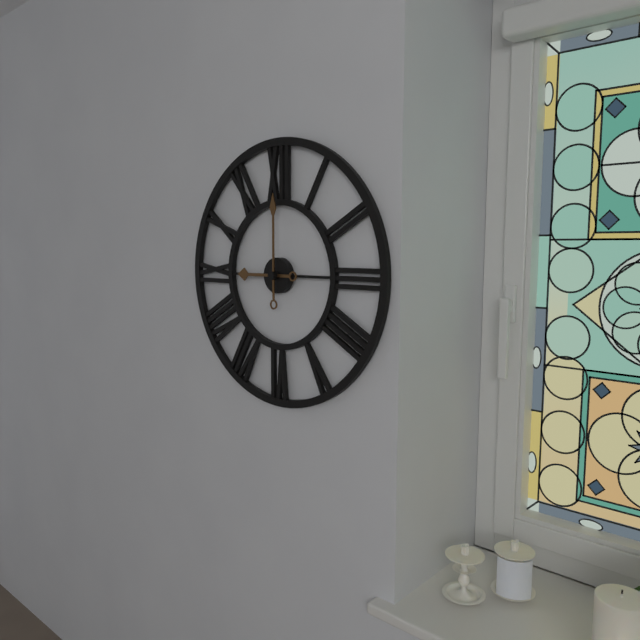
9:00
